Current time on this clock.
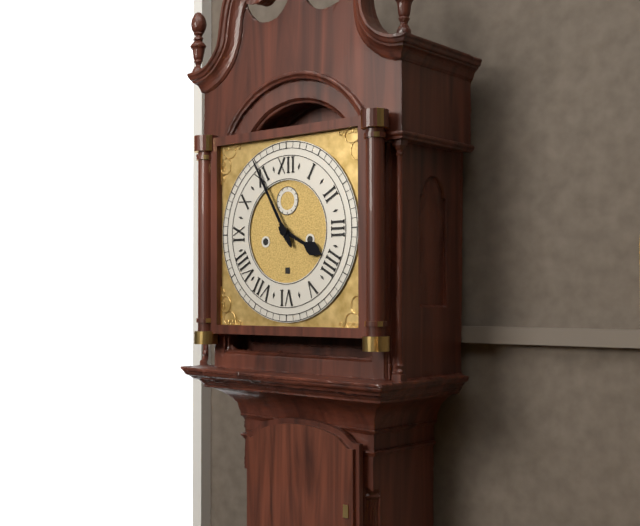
3:55
